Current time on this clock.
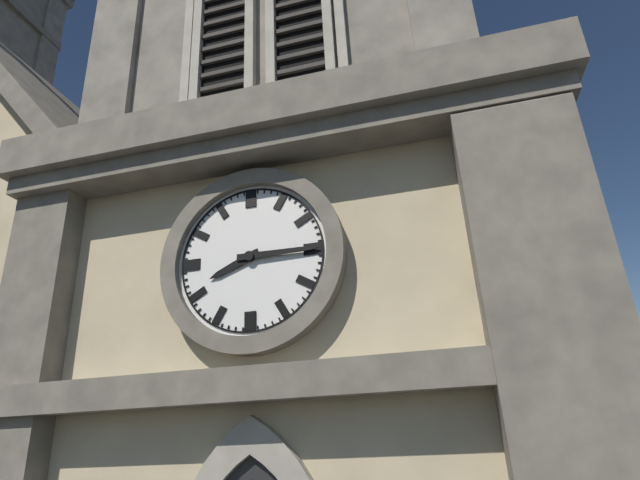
8:15
